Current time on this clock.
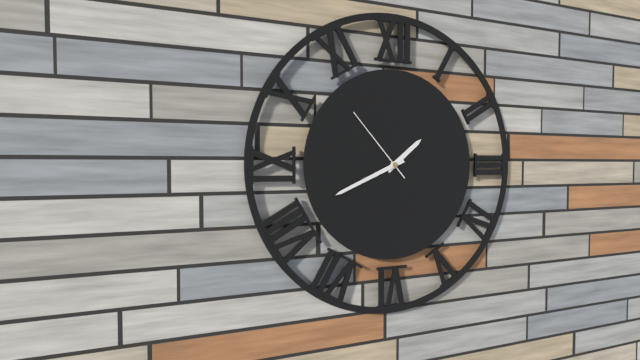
1:41:53
